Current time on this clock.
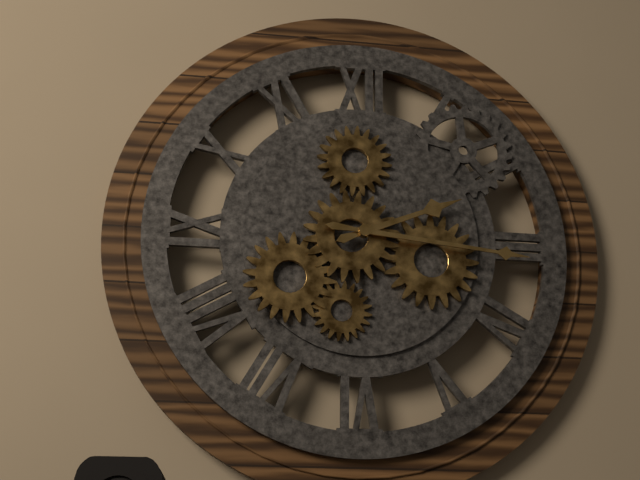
2:16
